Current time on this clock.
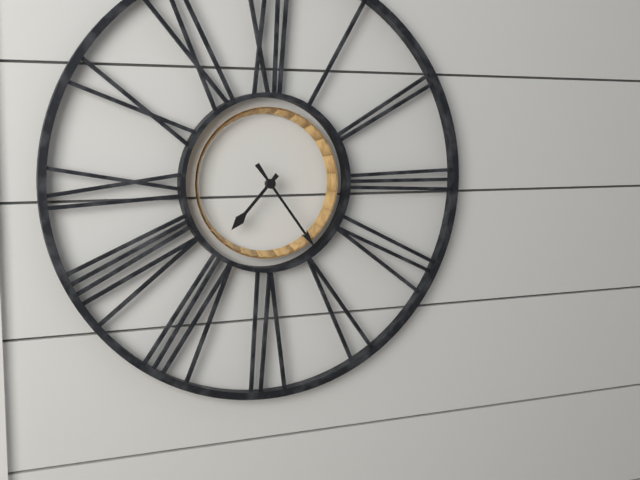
7:24
